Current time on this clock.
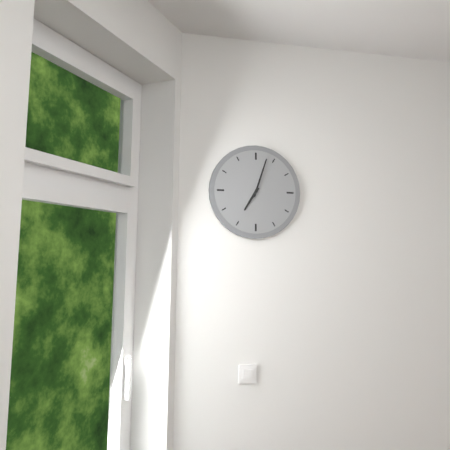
7:03
